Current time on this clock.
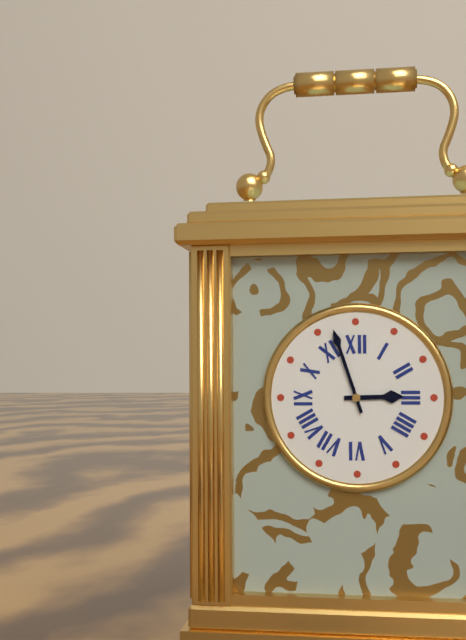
2:57
